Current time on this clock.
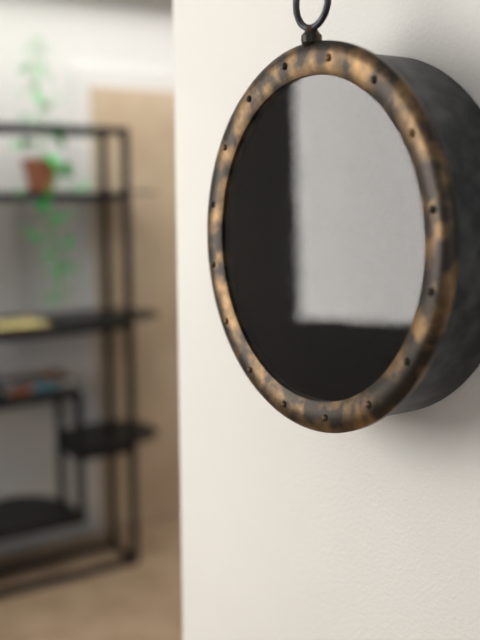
9:25
